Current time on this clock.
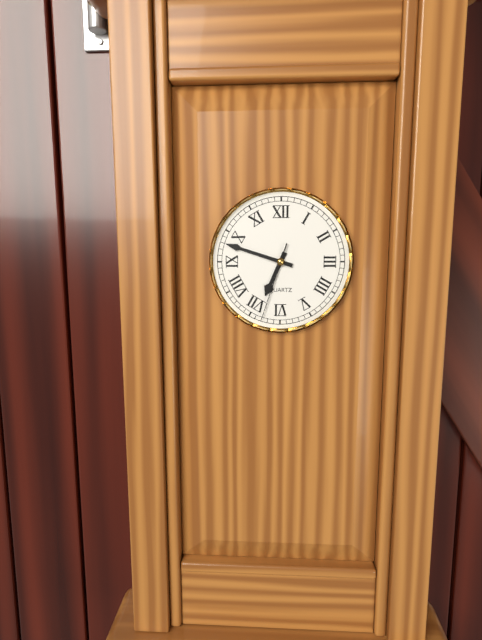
6:48:33
